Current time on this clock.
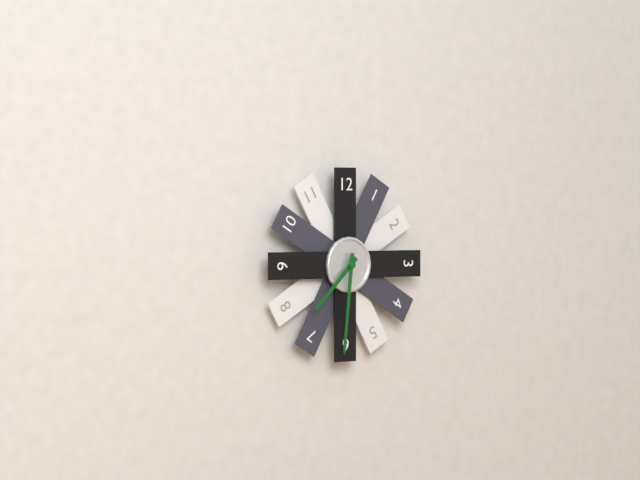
7:31
